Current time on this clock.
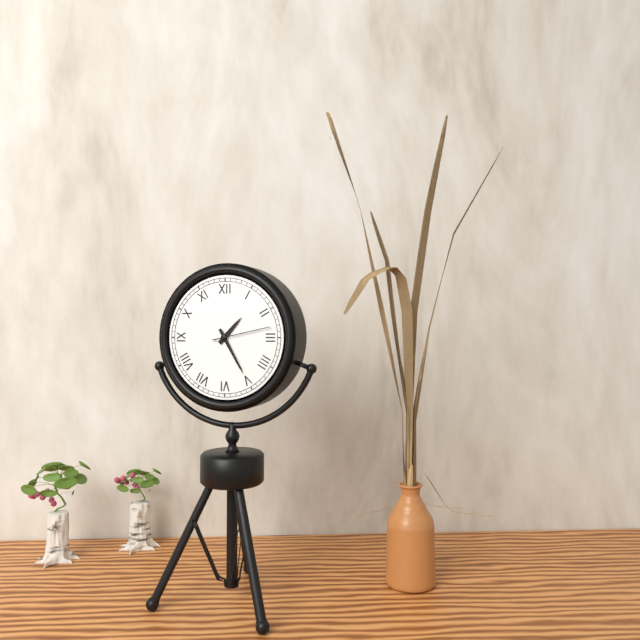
1:25
